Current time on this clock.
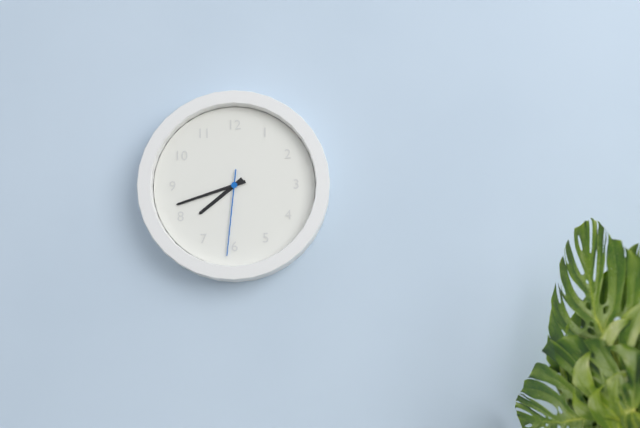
7:42:31
